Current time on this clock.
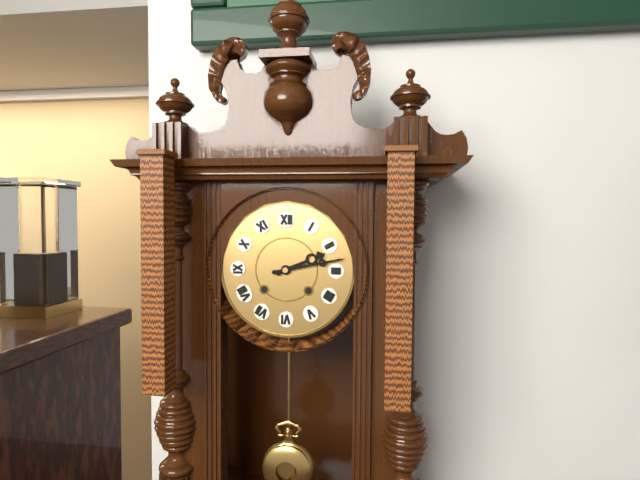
2:13
